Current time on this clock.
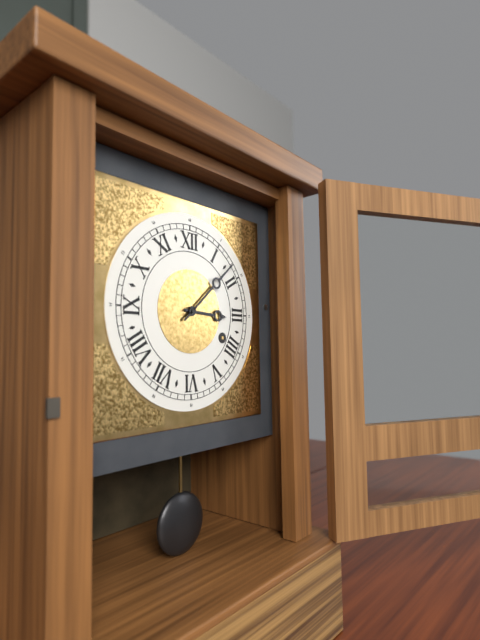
3:08
